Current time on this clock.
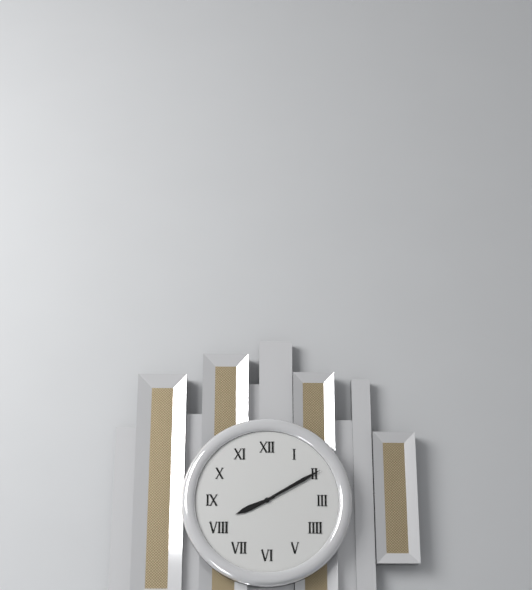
8:10
